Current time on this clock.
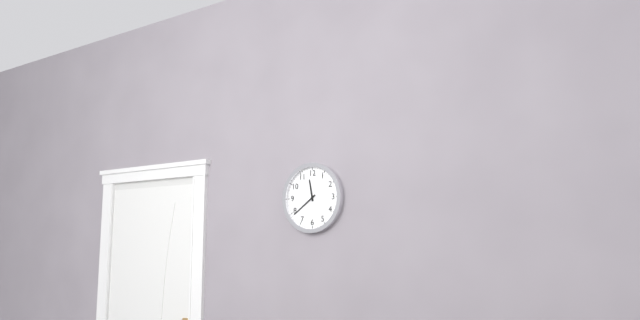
11:39
